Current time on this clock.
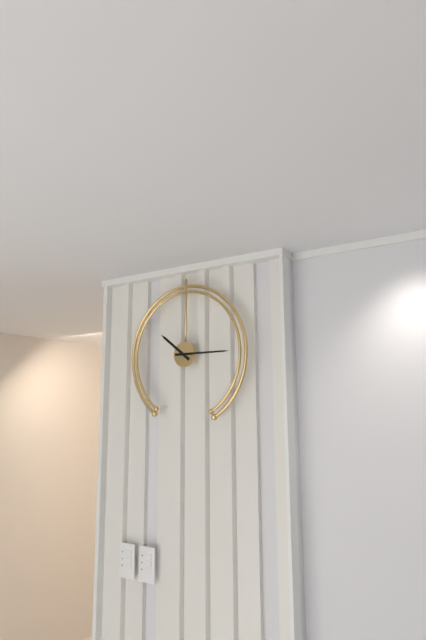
10:15
